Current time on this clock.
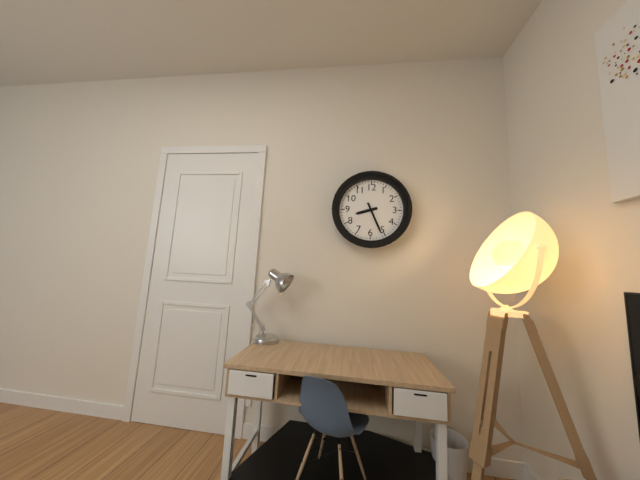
8:26
